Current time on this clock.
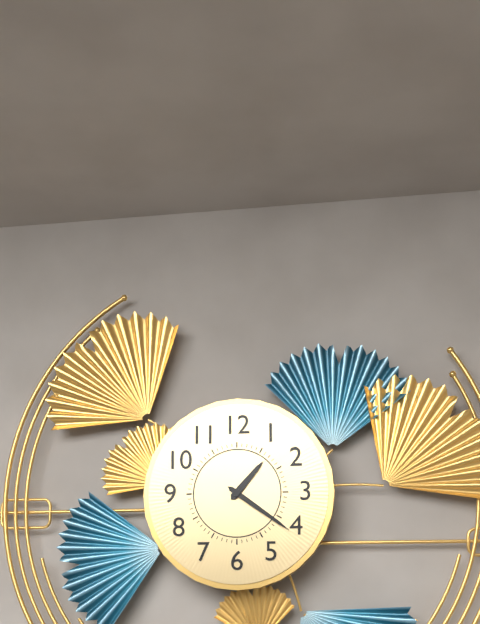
1:21
